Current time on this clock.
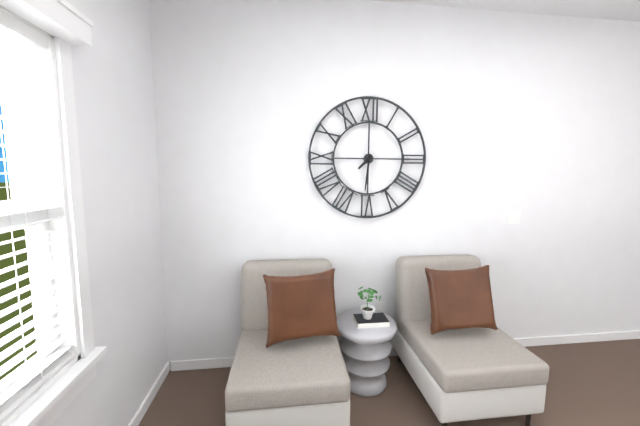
7:31
